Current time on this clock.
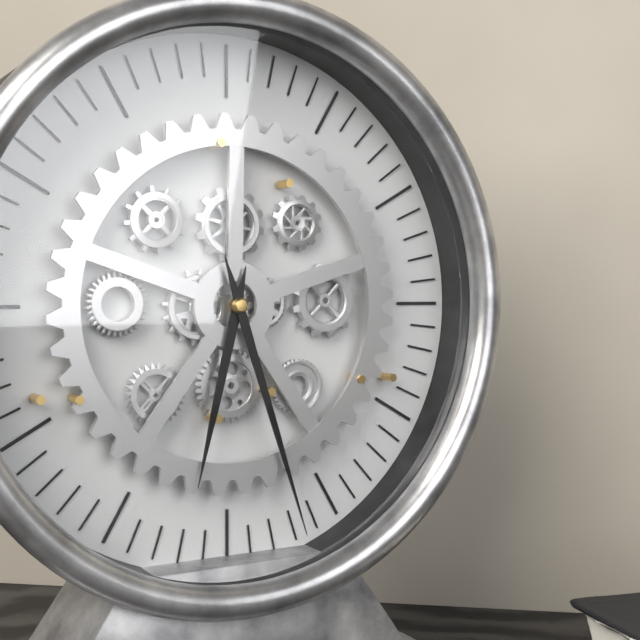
6:27
